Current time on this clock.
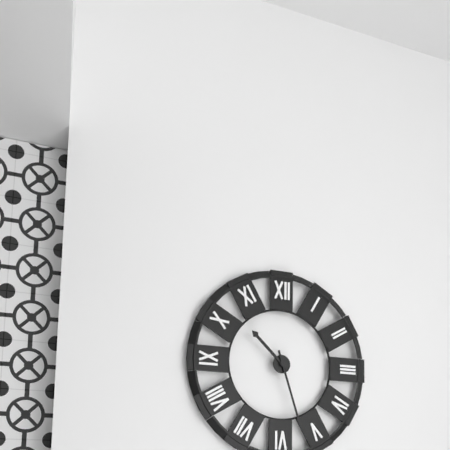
10:27
